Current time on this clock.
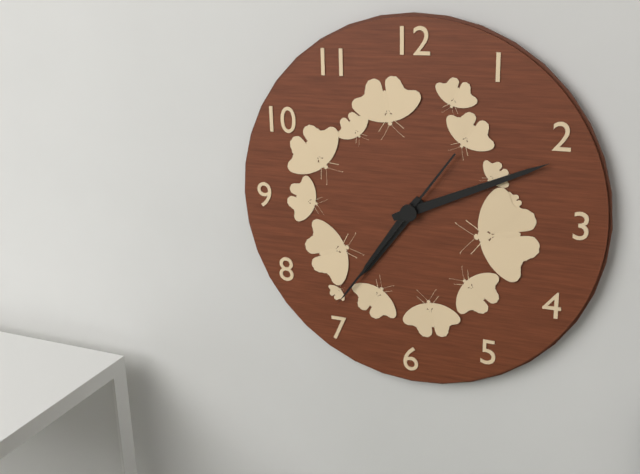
7:11:36
